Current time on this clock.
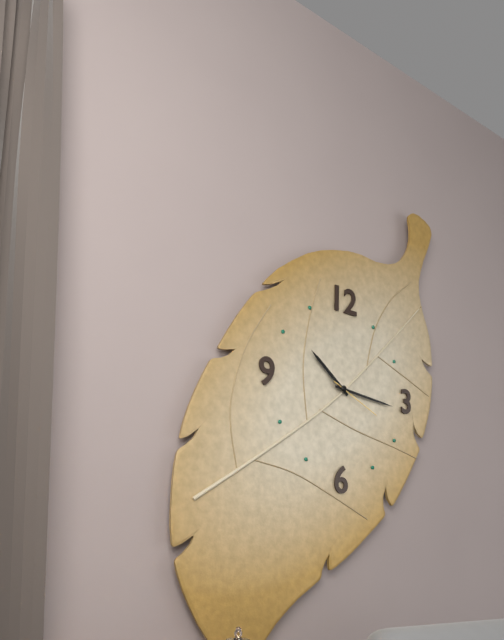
10:16:19
